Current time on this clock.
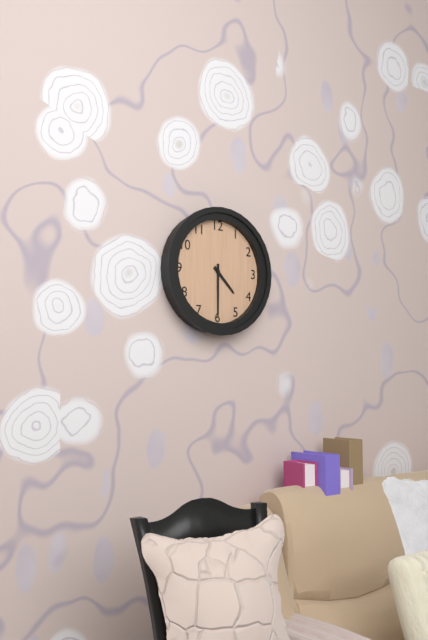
4:30
